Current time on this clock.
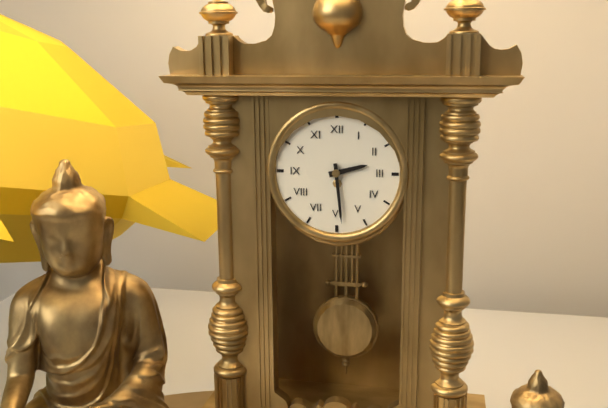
2:29
